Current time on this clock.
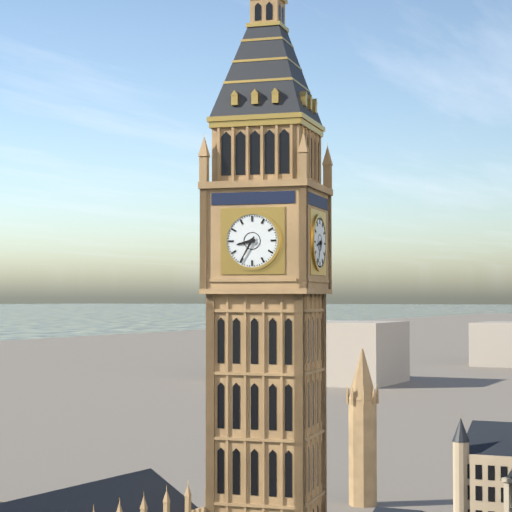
8:35
